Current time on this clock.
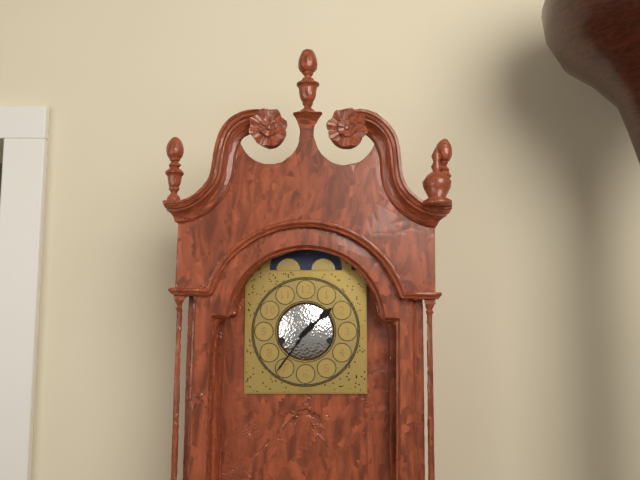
1:36
